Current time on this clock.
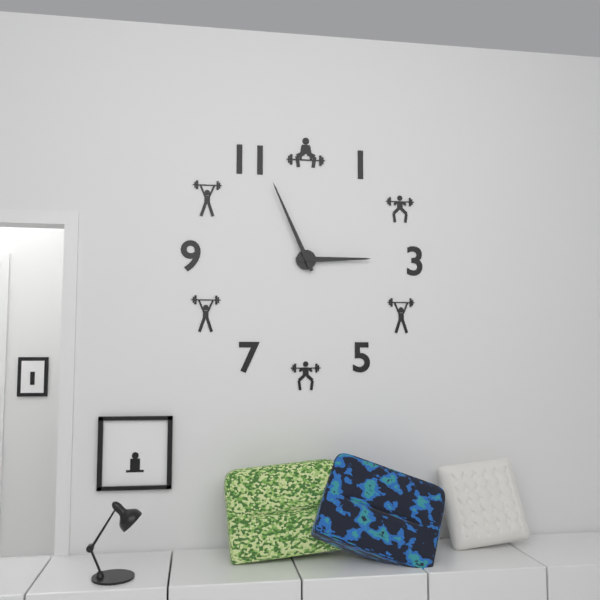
2:56
